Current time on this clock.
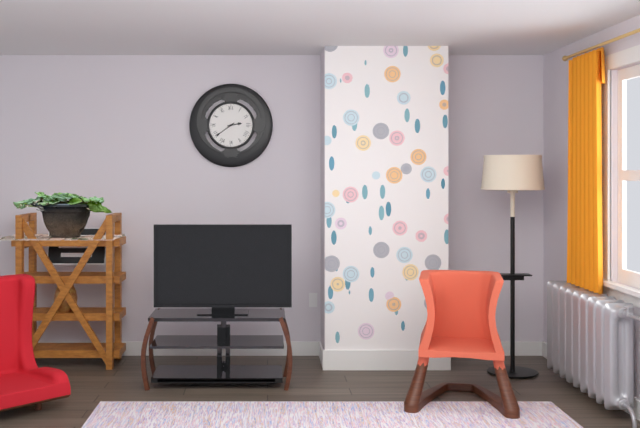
2:39
